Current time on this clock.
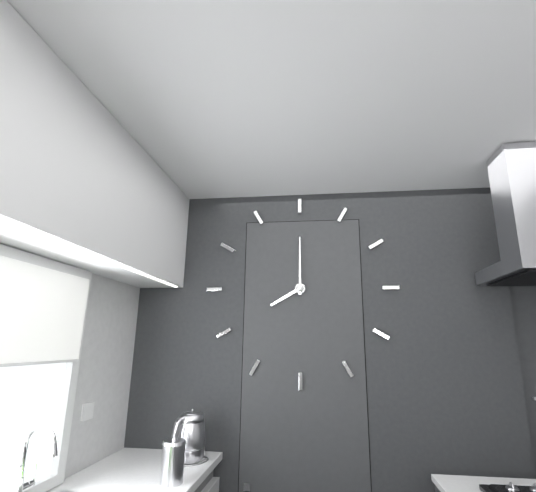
8:00
